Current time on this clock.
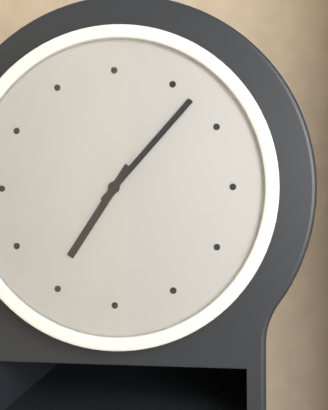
7:07
